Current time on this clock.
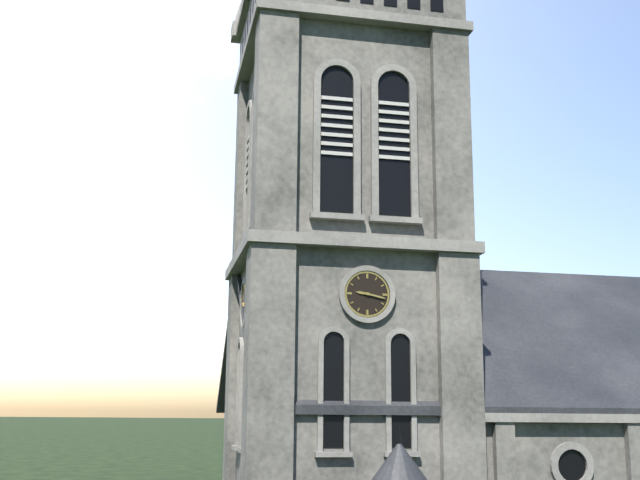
9:17
